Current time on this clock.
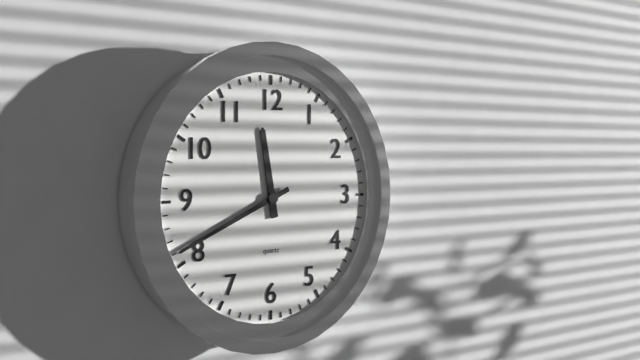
11:41
